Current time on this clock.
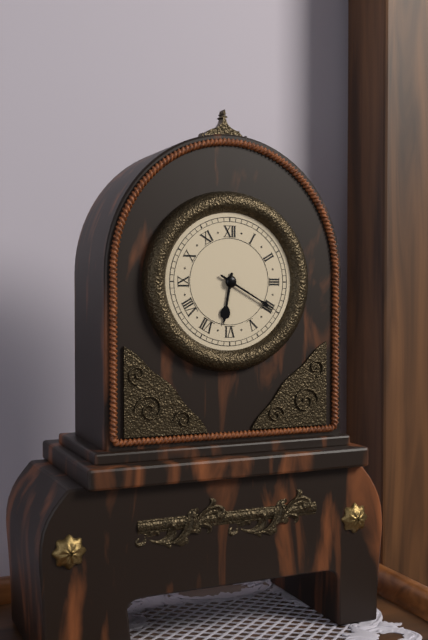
6:20
